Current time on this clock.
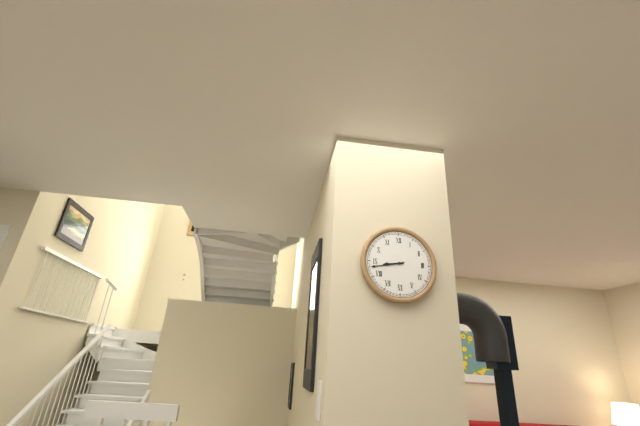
8:43
